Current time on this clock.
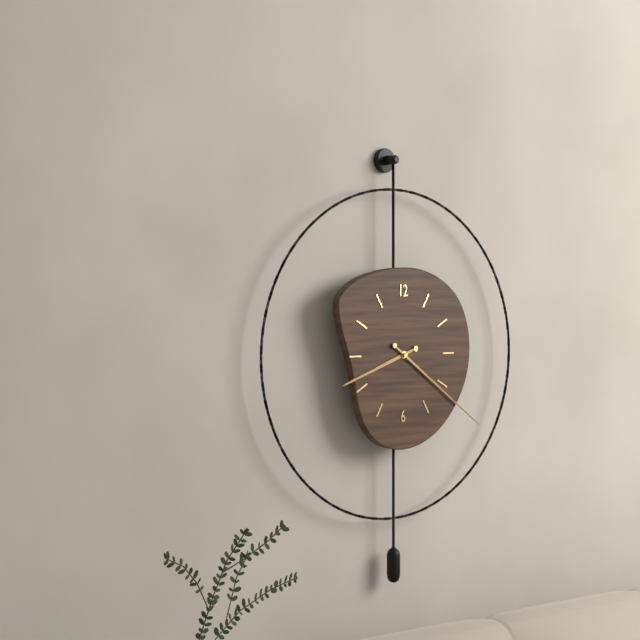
8:21
